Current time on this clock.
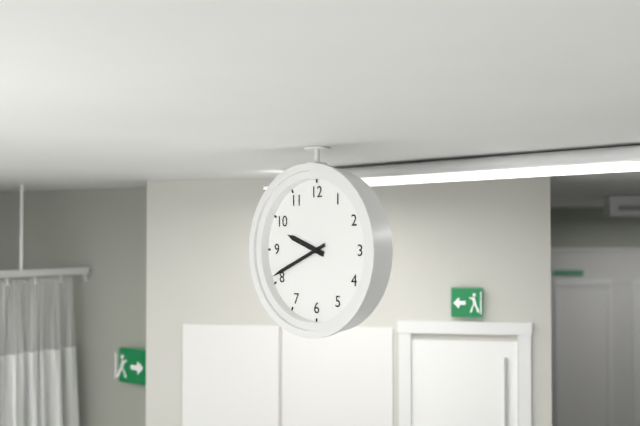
9:41
